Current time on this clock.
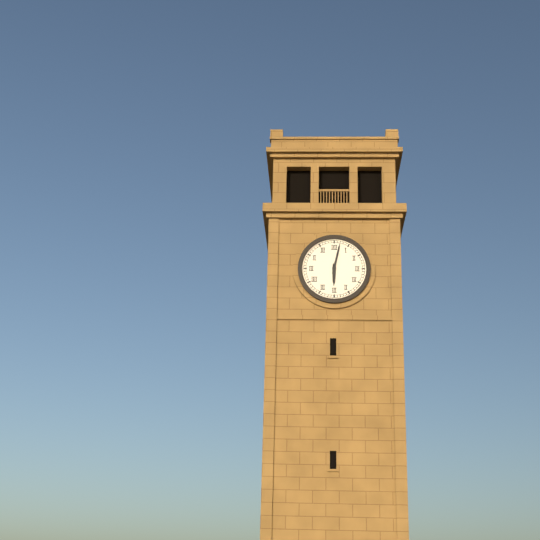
6:02
